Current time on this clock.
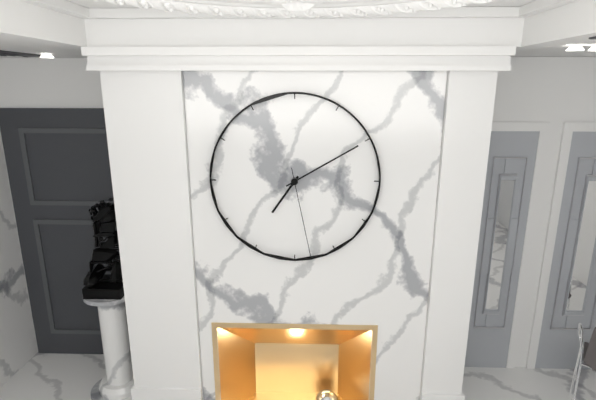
7:10:28
